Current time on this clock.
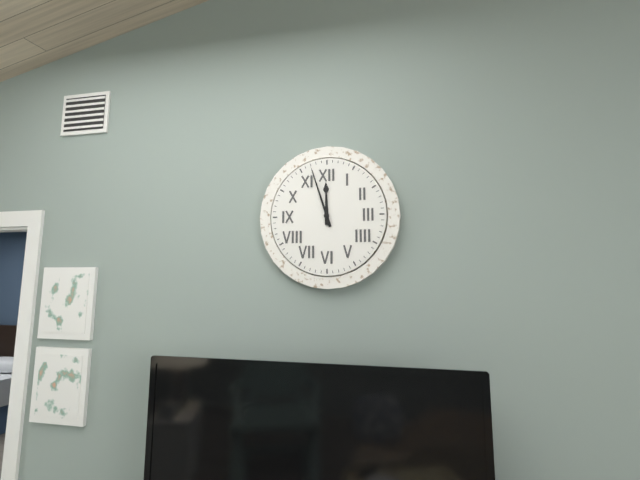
11:57
